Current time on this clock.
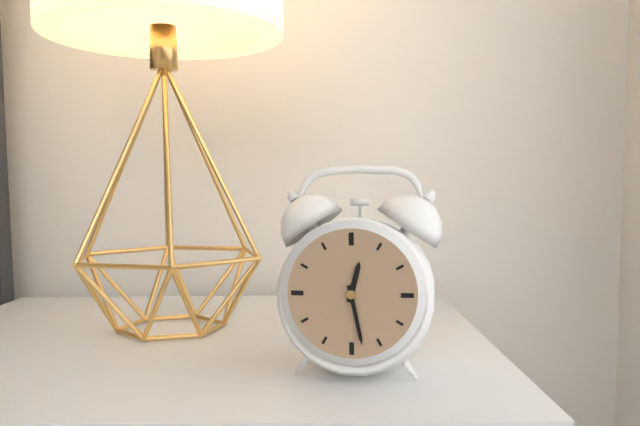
12:28
